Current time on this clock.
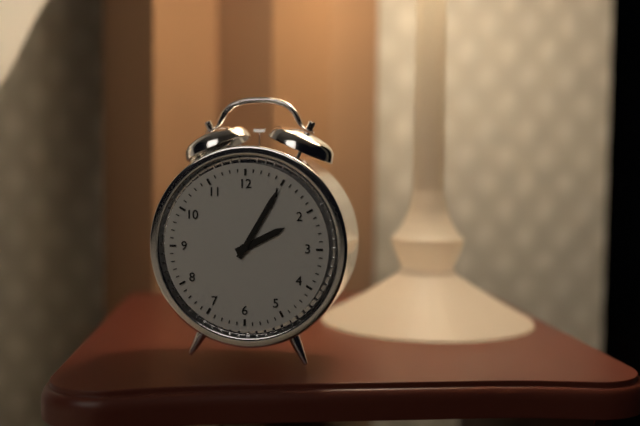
2:05
